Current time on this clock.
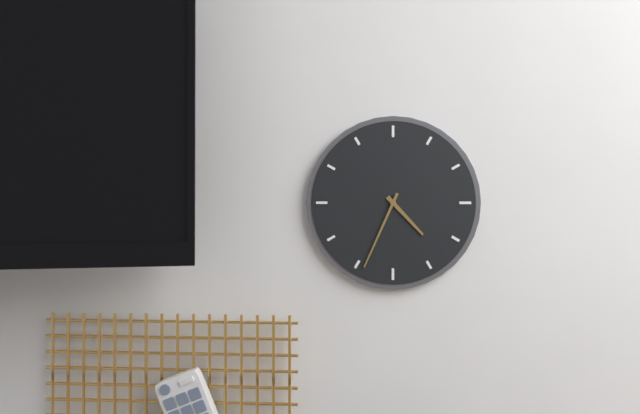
4:34
